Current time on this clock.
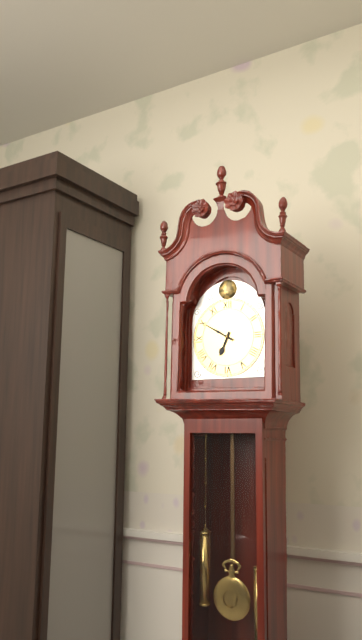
6:50
